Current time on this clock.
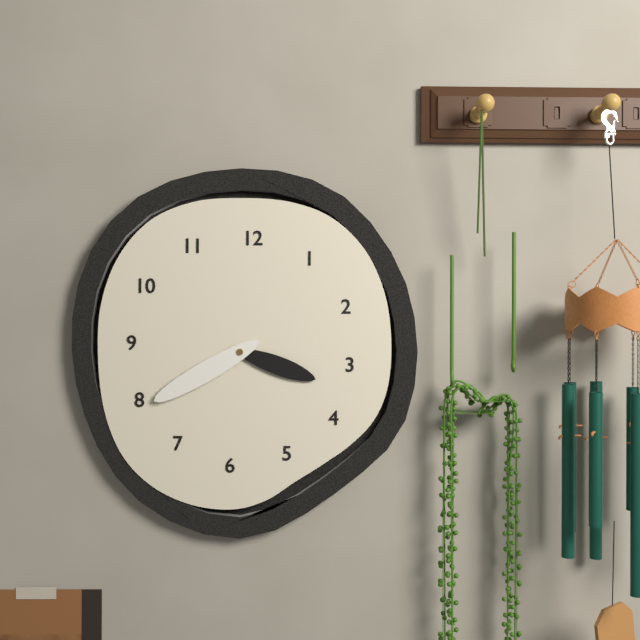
3:40
